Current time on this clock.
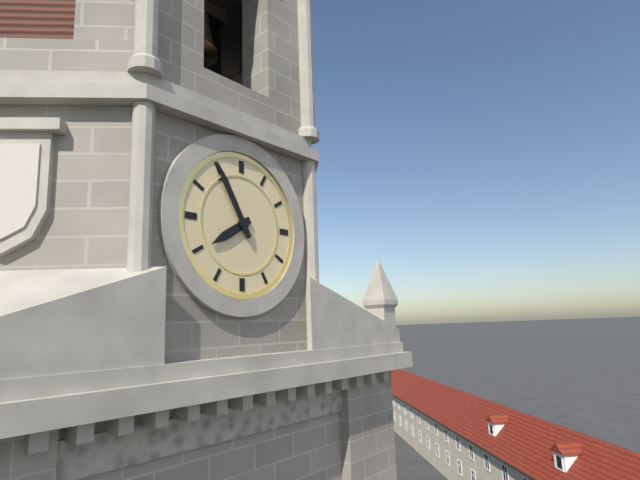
7:55
